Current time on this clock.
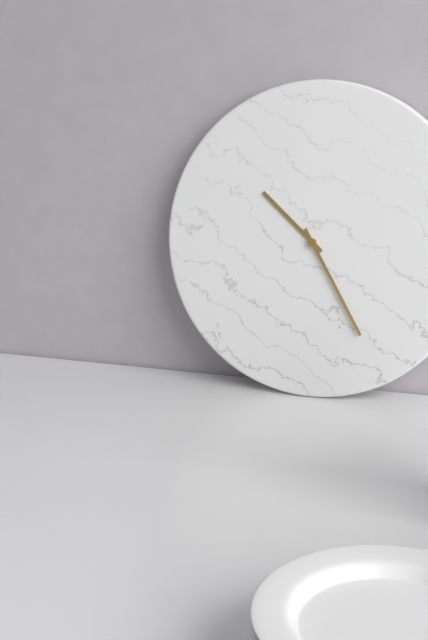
10:25
